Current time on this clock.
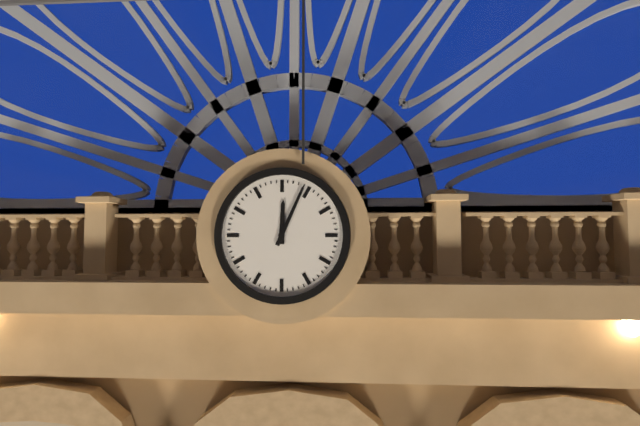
12:04
